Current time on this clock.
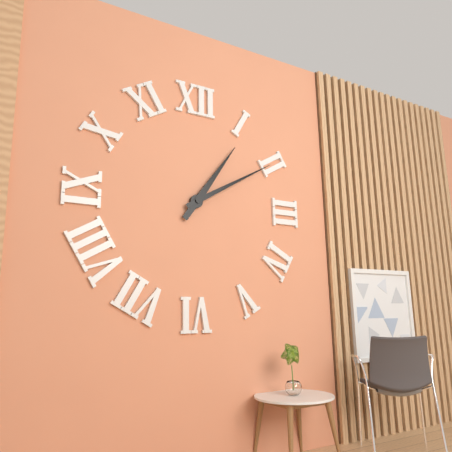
1:10
